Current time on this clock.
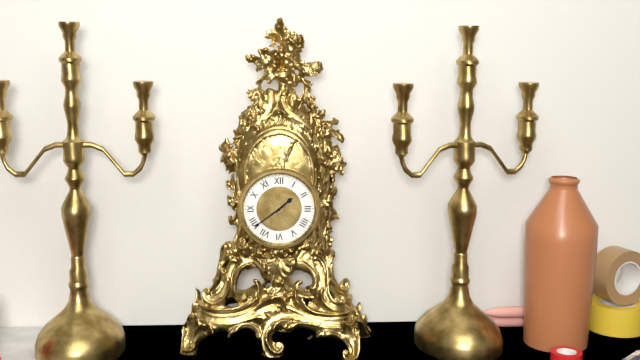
1:39
